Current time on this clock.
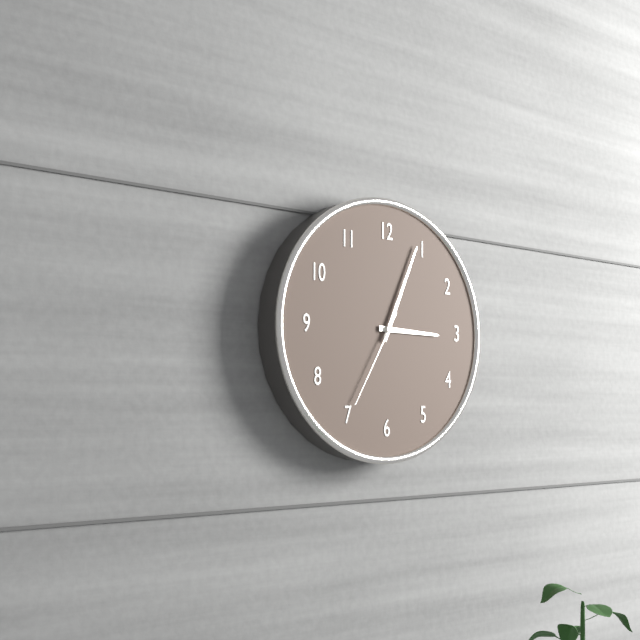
3:04:35
